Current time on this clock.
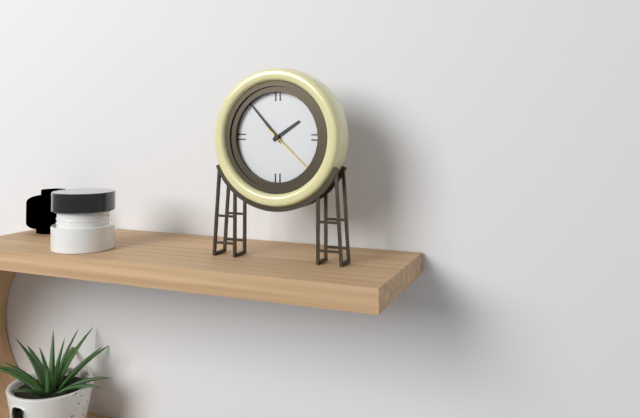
1:53:22
